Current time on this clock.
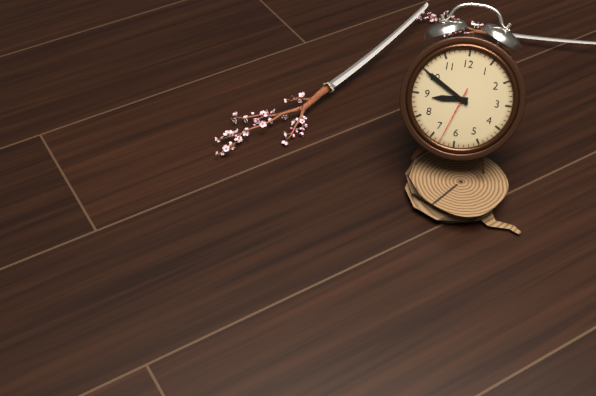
8:50:33
